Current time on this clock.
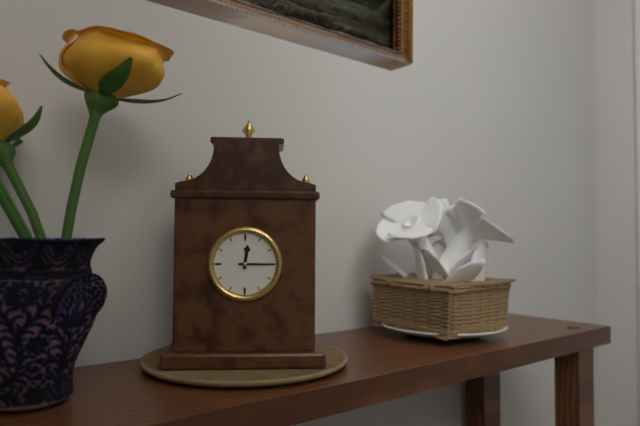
12:15
